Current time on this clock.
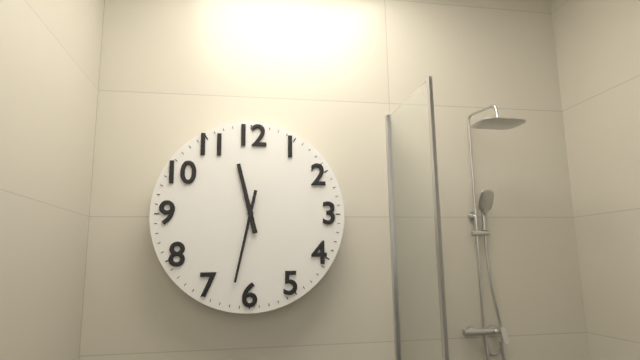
11:32
